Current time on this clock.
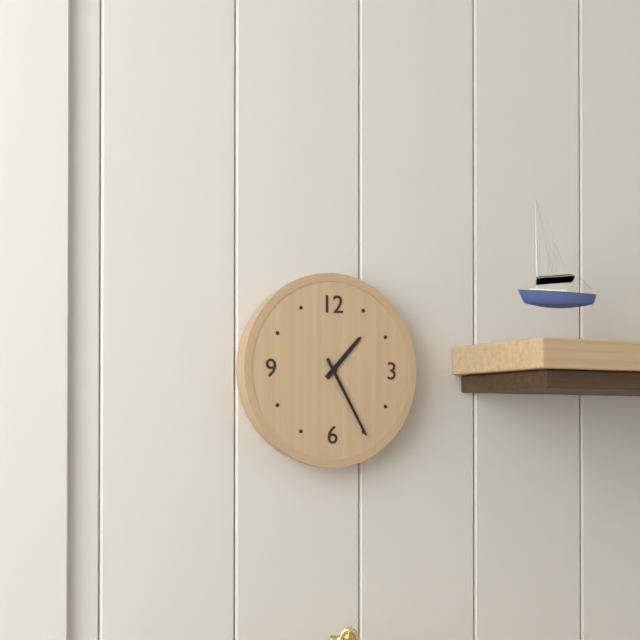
1:25
